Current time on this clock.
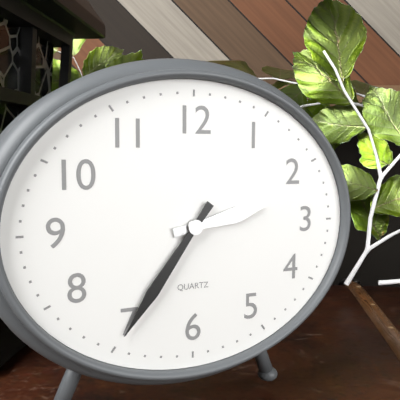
2:36
